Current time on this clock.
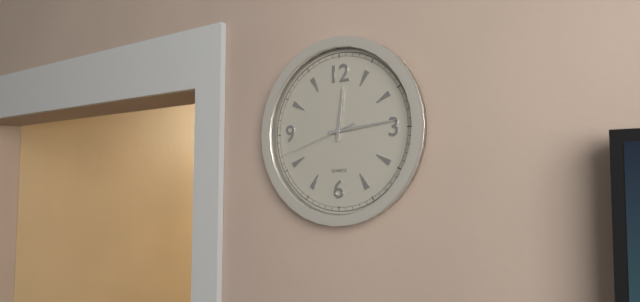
12:14:42
